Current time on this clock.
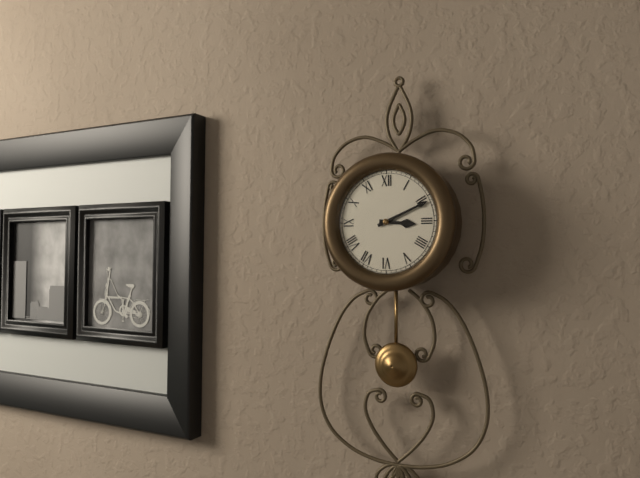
3:11
